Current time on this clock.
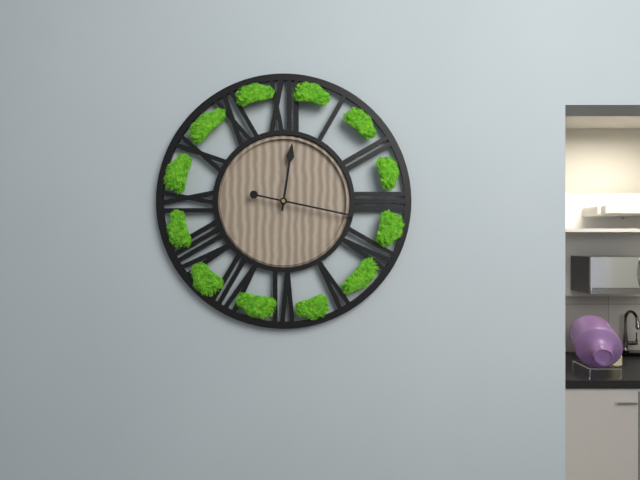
12:17
